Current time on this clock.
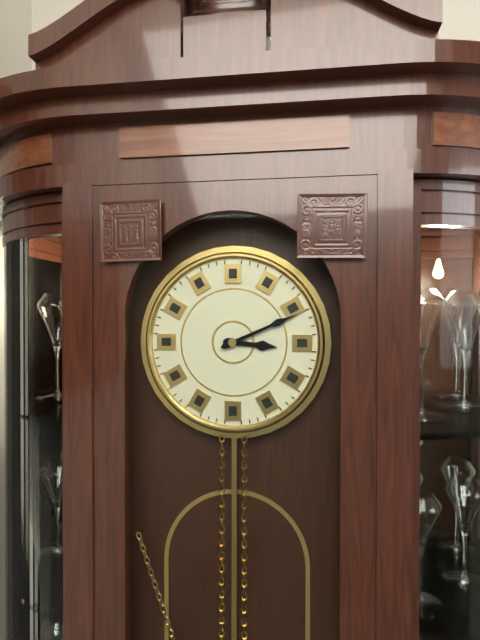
3:11
